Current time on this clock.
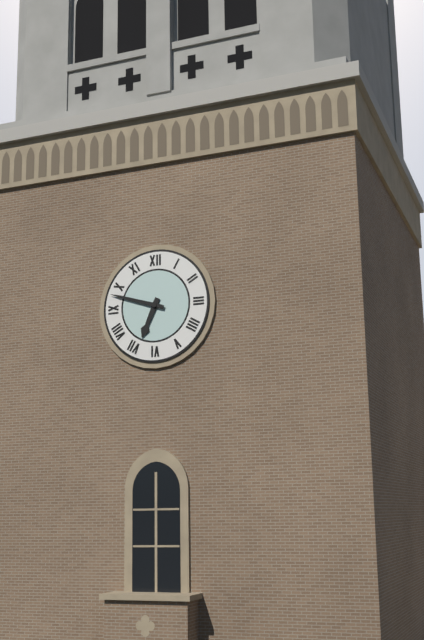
6:48
